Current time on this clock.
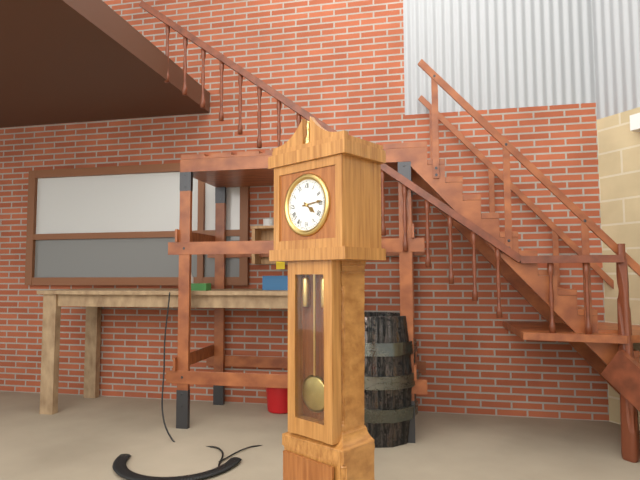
4:14
